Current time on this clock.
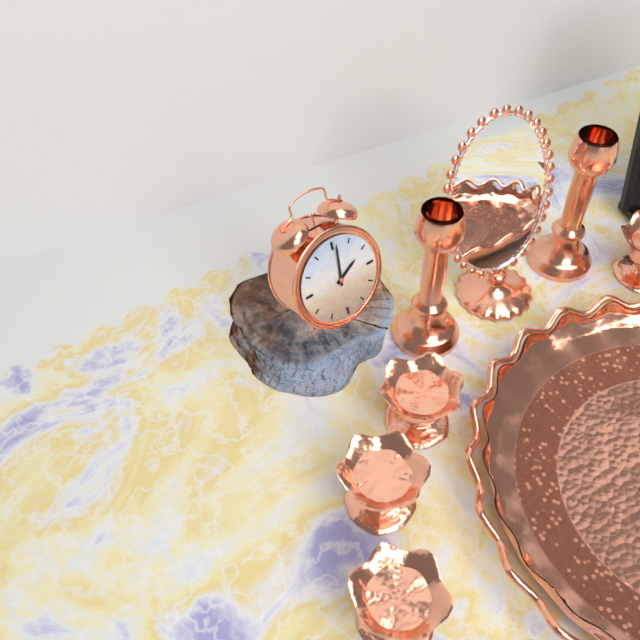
2:01
